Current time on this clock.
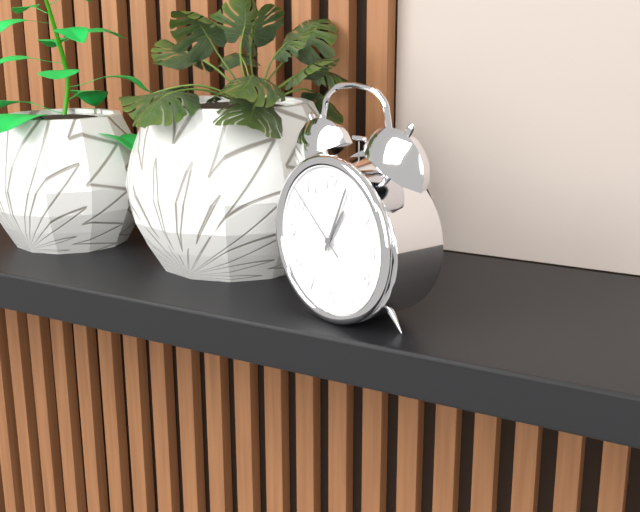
1:04:52
